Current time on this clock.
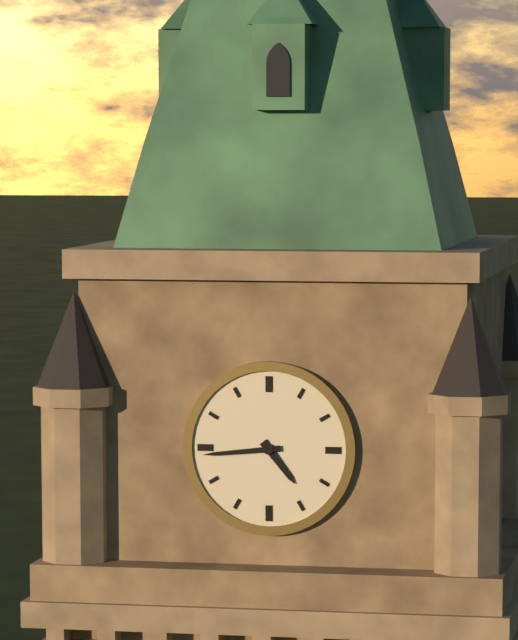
4:44
